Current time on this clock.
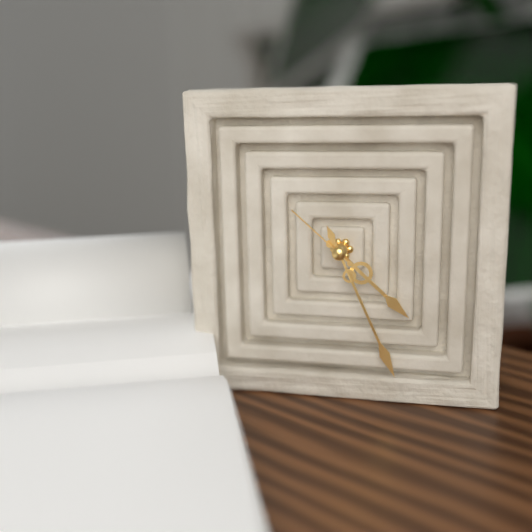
4:26:52
